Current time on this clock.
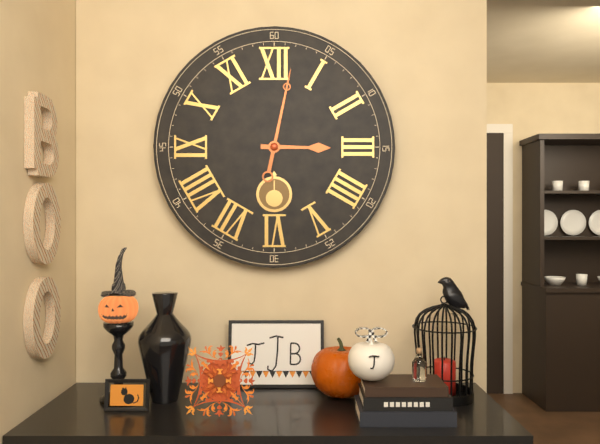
3:02
